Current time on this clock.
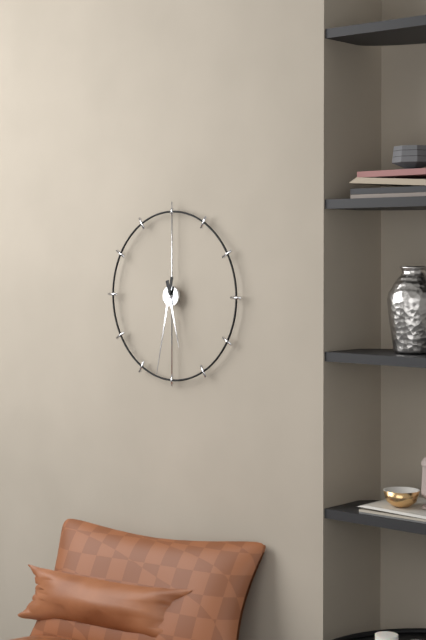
5:32
